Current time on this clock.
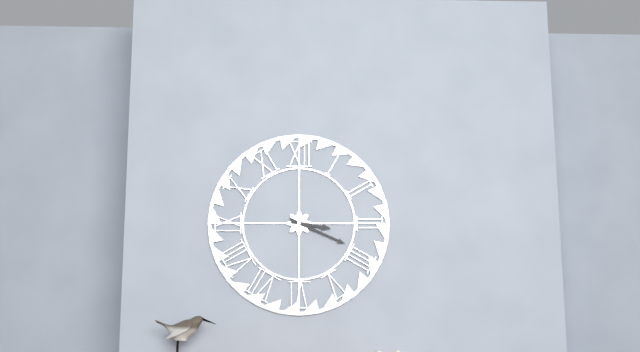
3:19
